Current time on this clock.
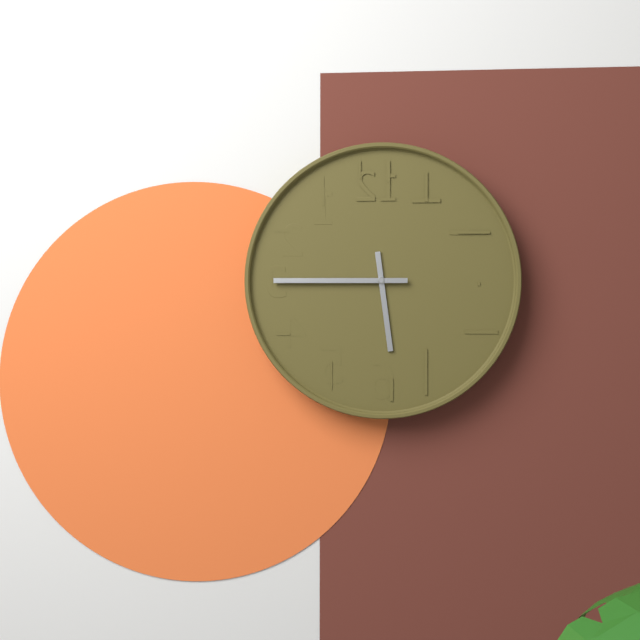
5:45
